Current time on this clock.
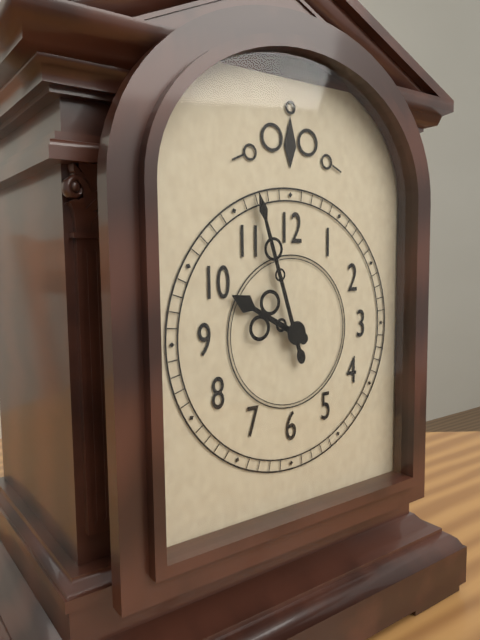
9:57
